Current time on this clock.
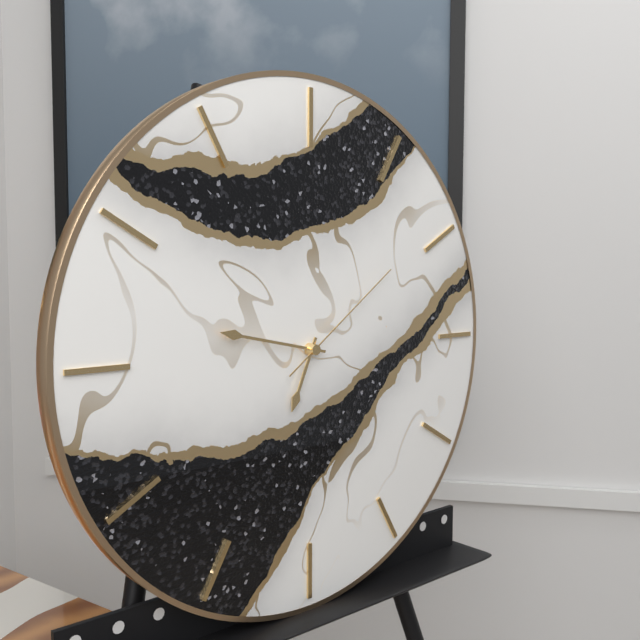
6:47:09
